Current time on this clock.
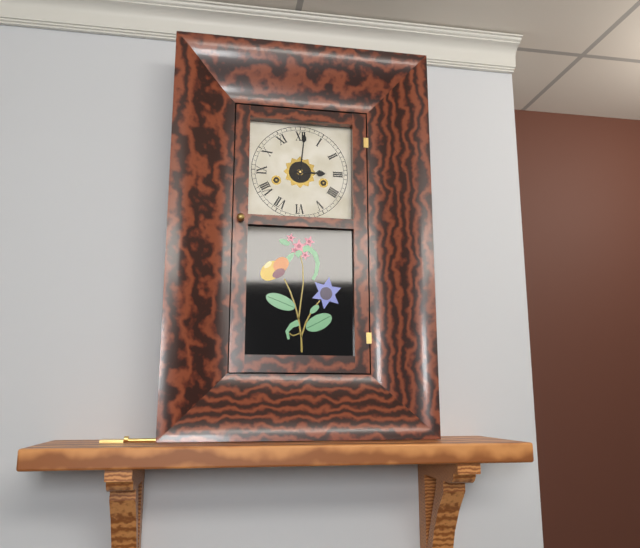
3:01
